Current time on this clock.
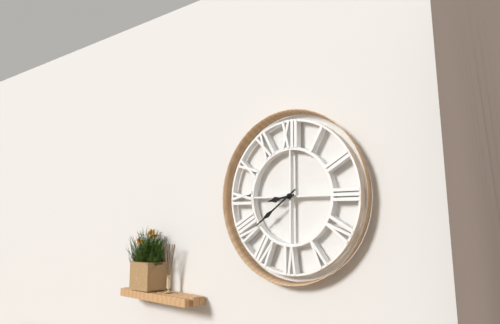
8:39
